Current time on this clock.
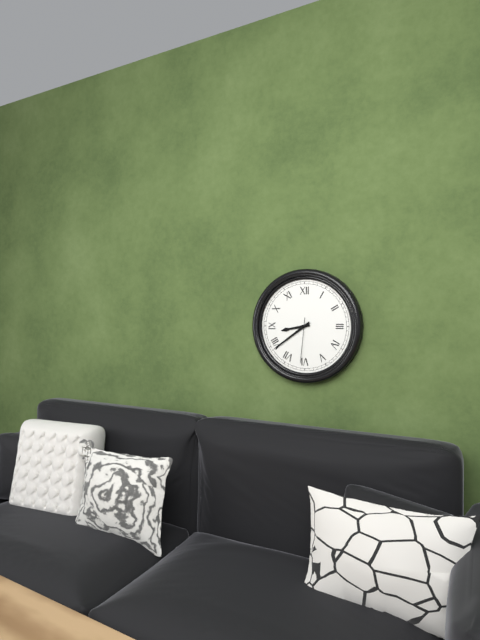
8:39
